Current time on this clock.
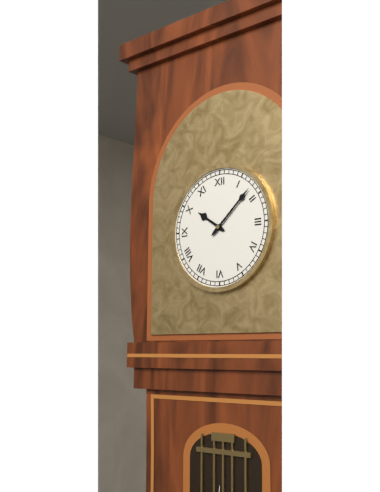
10:08
